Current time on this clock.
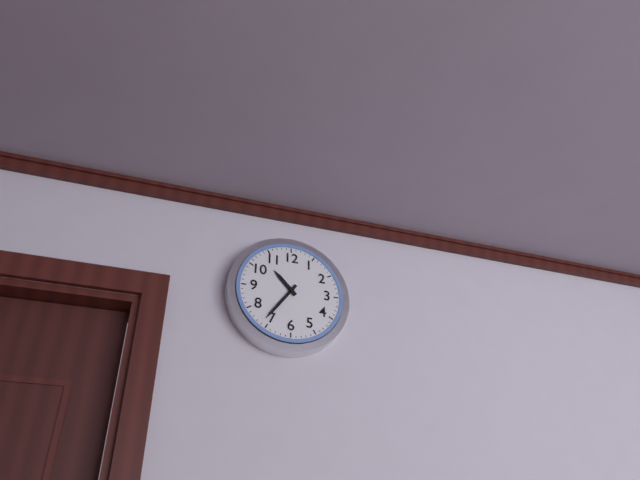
10:36
